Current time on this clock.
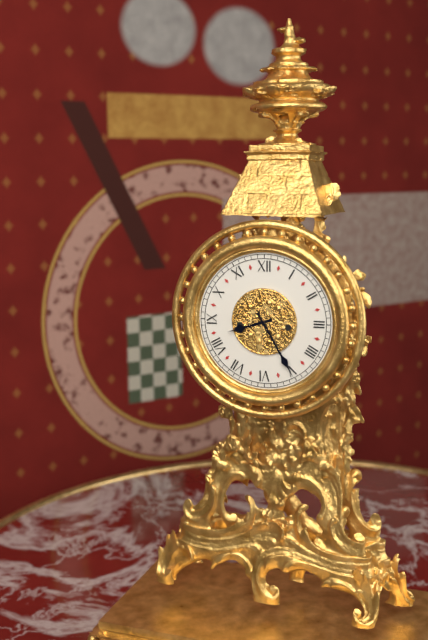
8:25
